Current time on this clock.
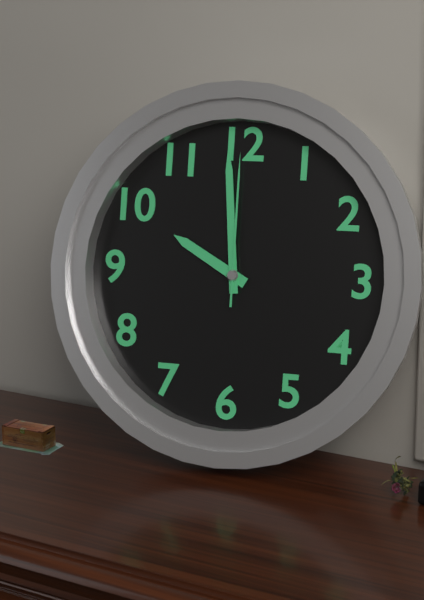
9:59:00
